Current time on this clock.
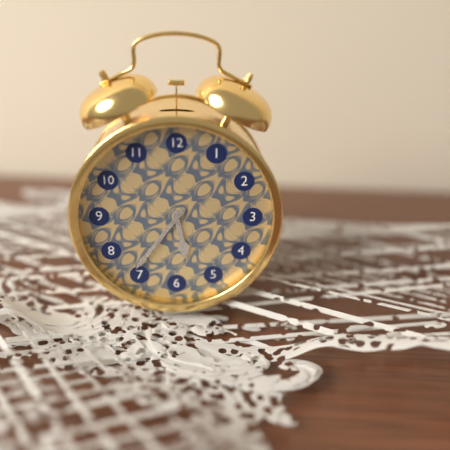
5:36
